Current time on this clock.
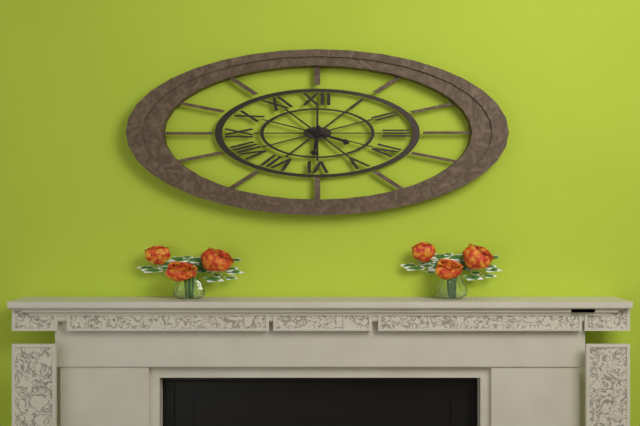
6:18
